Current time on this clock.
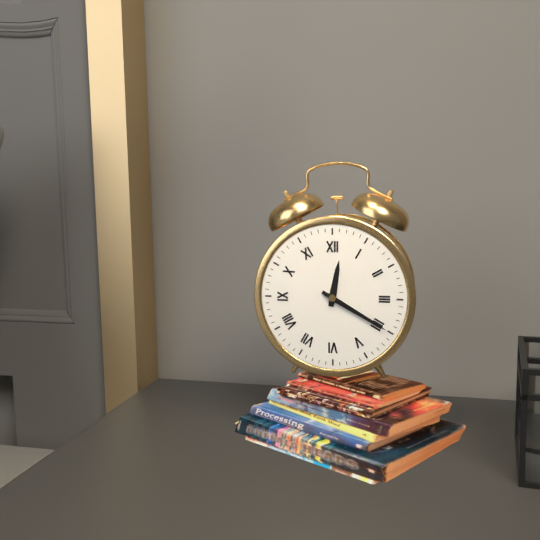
12:20
